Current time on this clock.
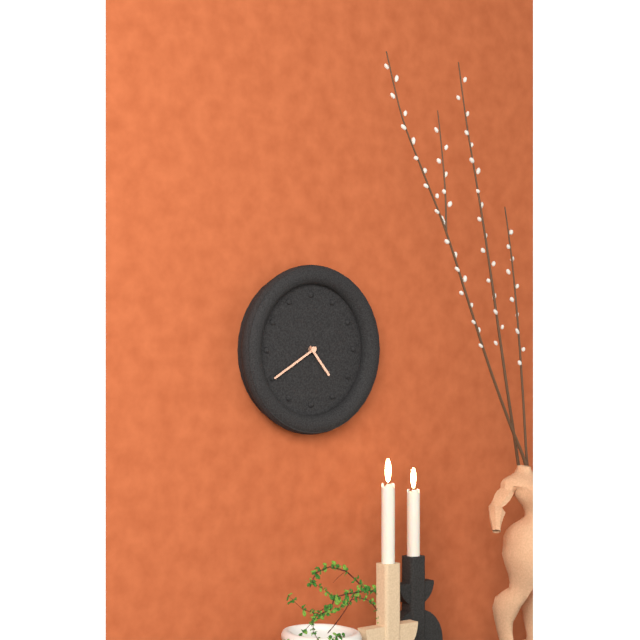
4:40
